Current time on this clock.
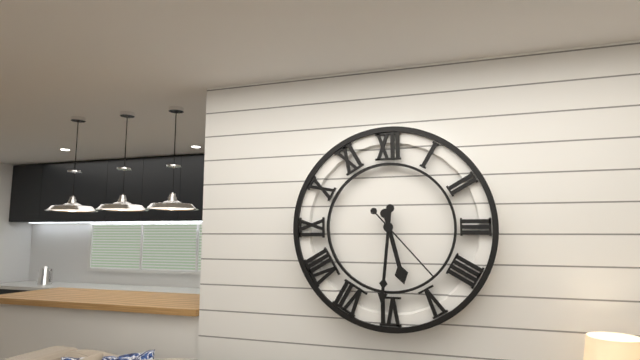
5:31:23
